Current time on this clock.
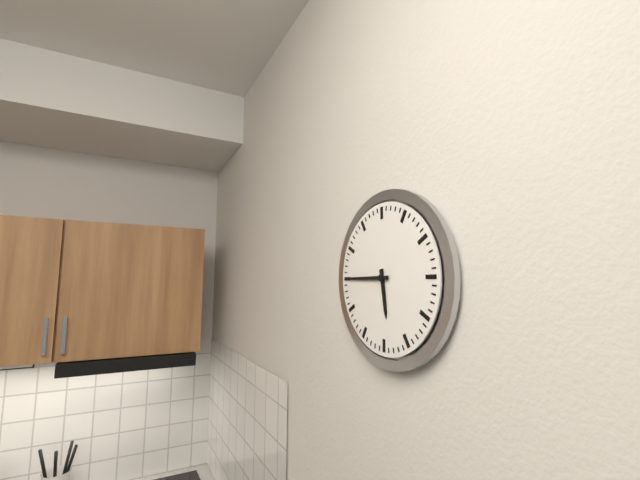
5:45
